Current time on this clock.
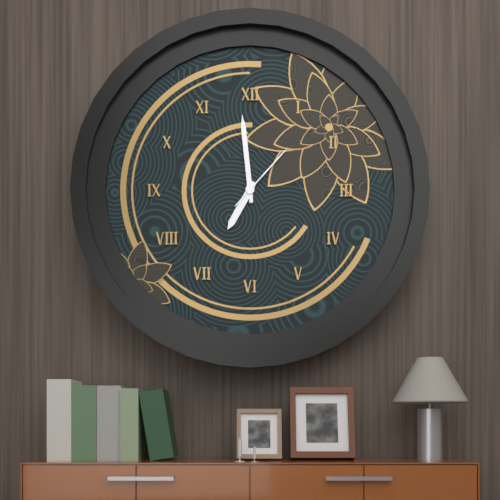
6:59:07
